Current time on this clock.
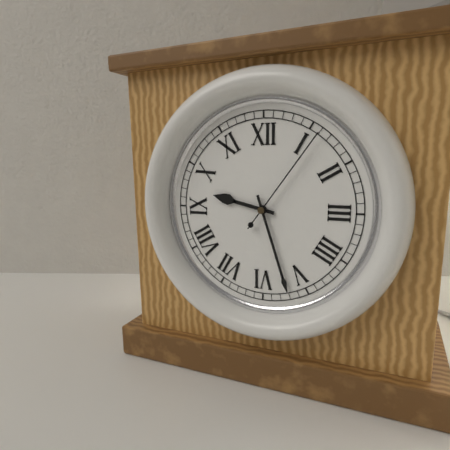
9:27:06
